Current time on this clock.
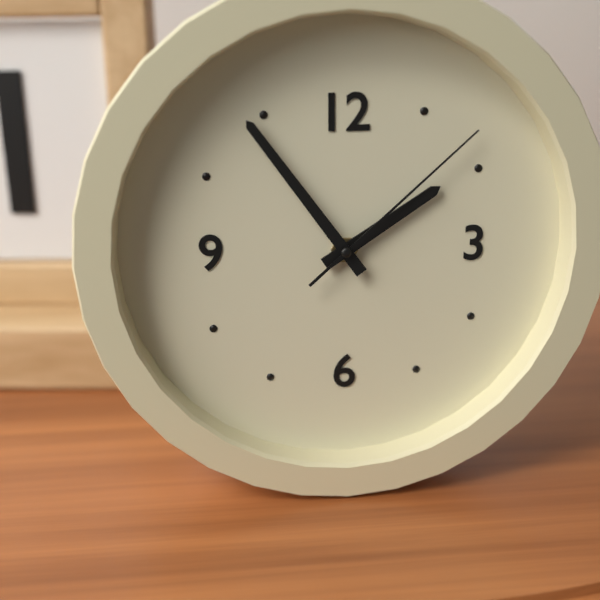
1:54:08
